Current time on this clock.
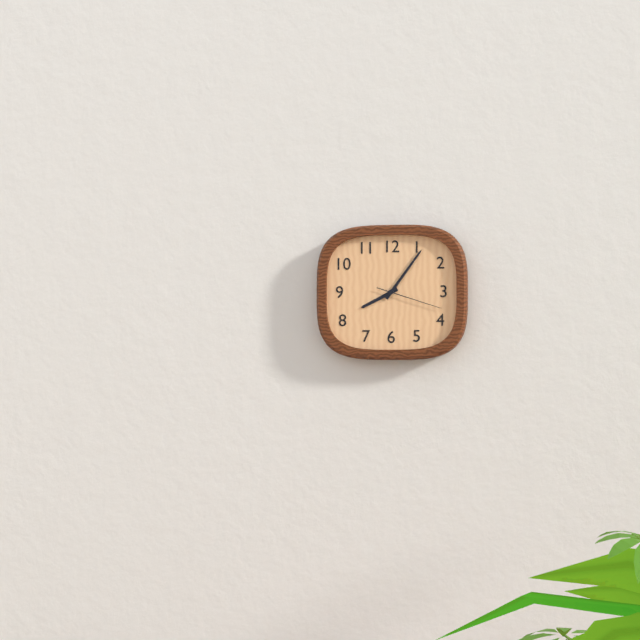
8:06:18
